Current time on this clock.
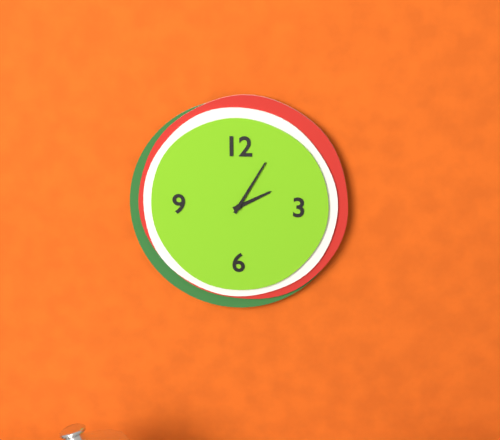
2:05
